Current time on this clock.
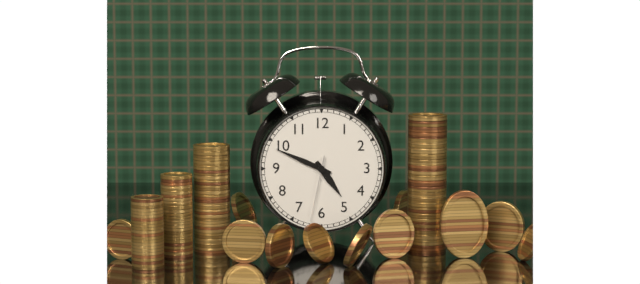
4:49:32
